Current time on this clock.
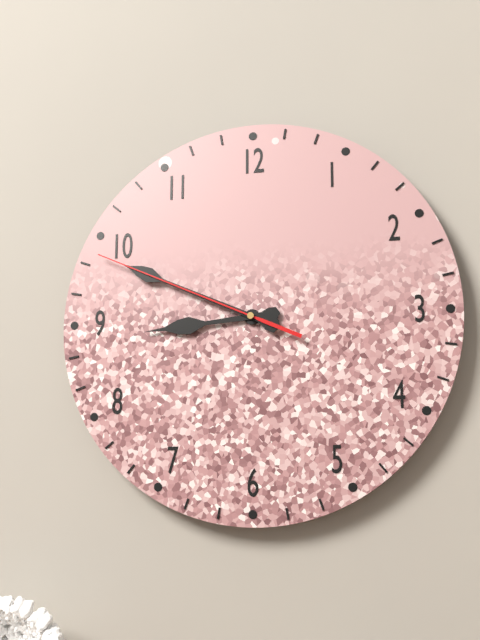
8:49:49
